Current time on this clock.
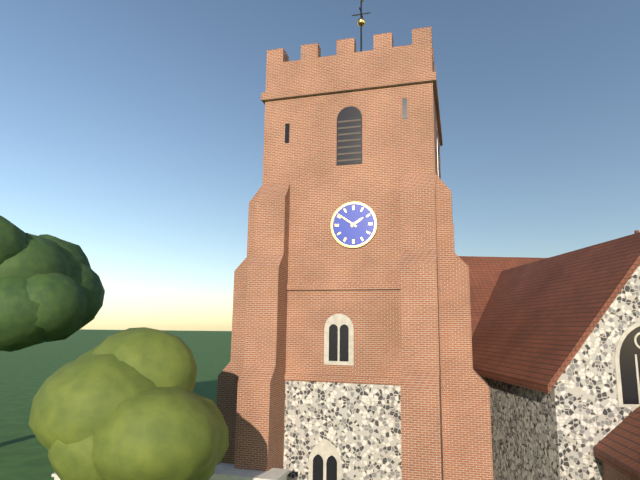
1:51
